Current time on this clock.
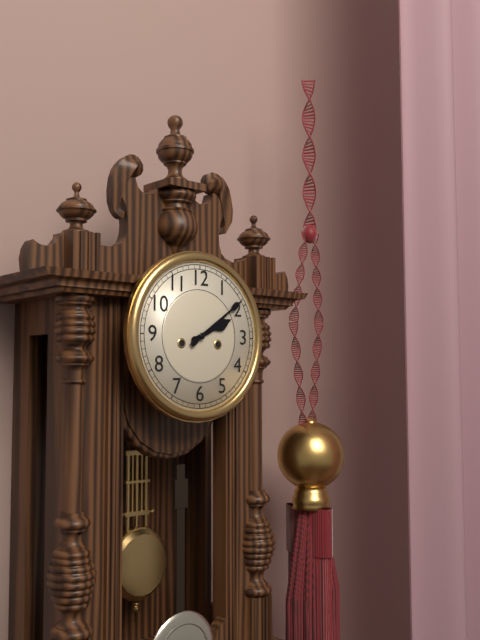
2:09
